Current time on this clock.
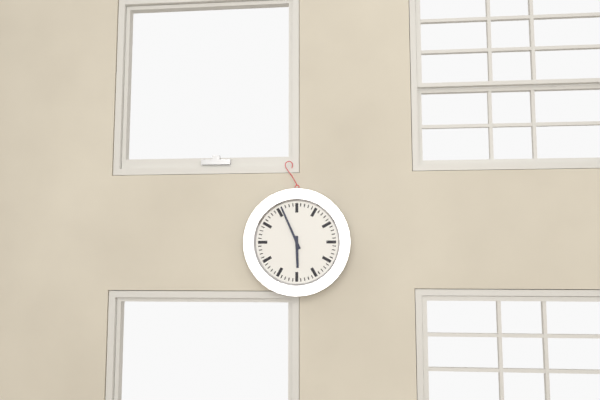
5:56
